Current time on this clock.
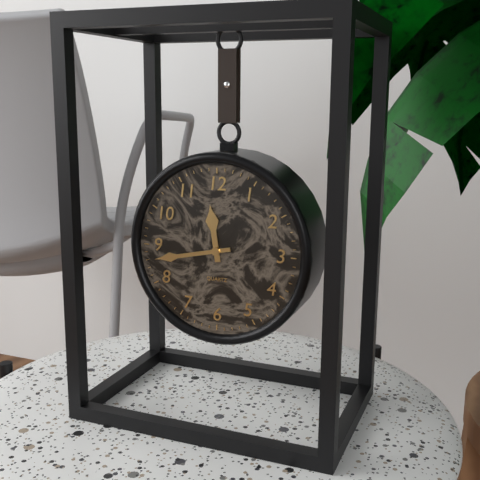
11:43
